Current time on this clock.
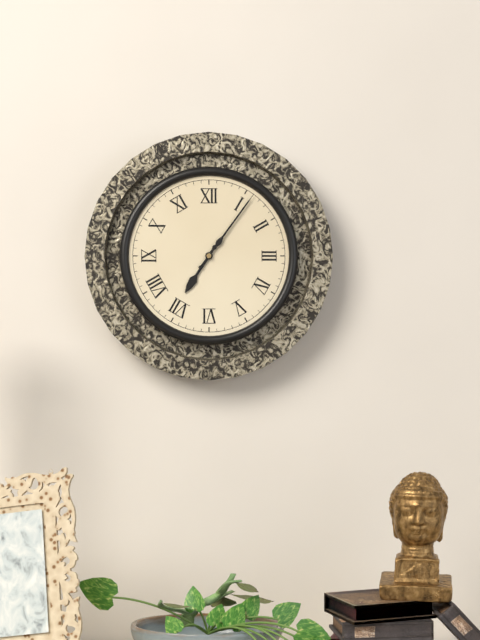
7:06
